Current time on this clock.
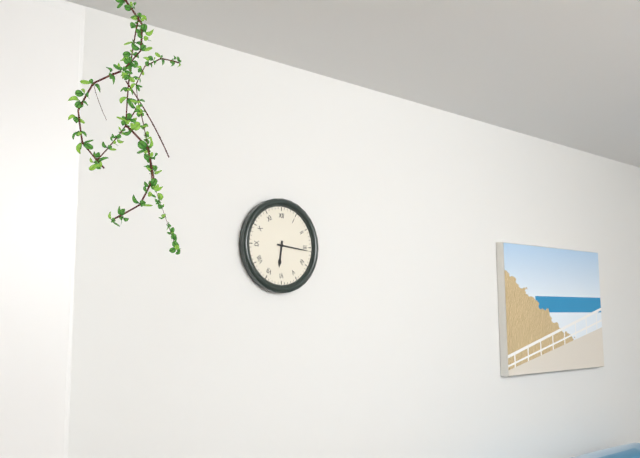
6:16
